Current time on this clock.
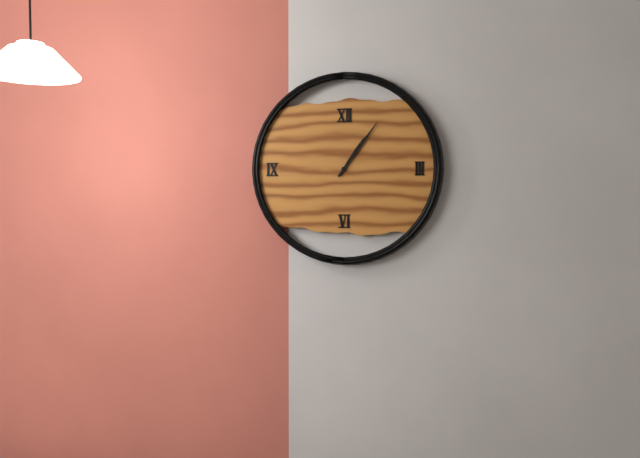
1:06
